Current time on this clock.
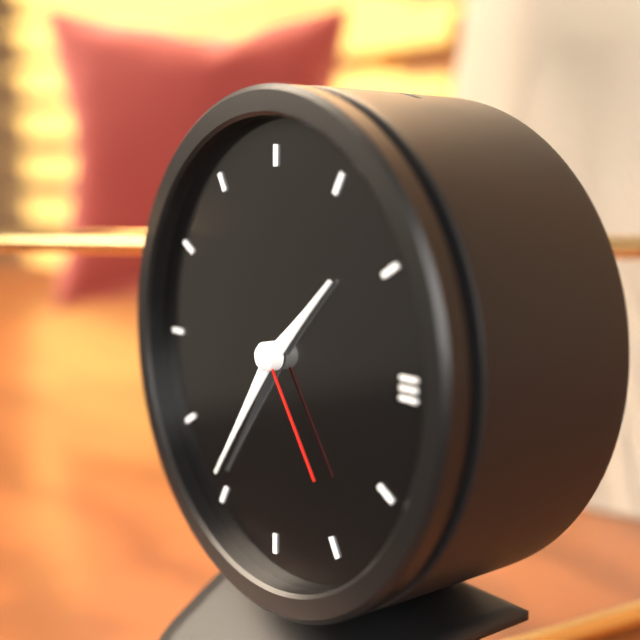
1:36:24
